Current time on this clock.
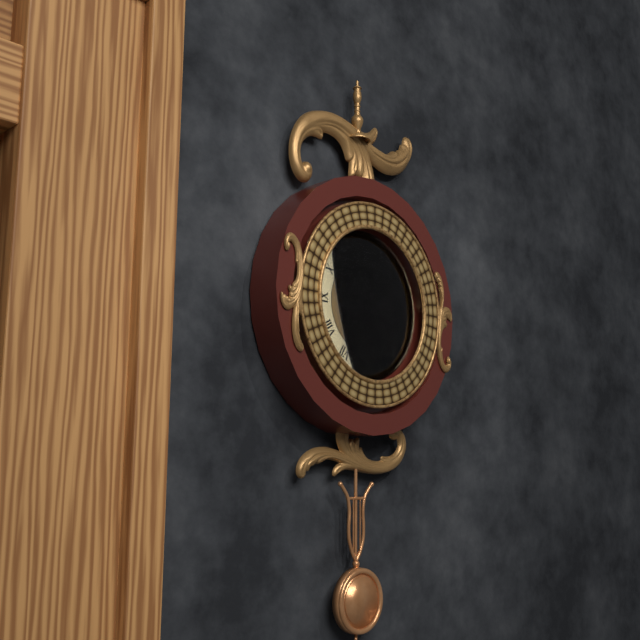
9:56:05
